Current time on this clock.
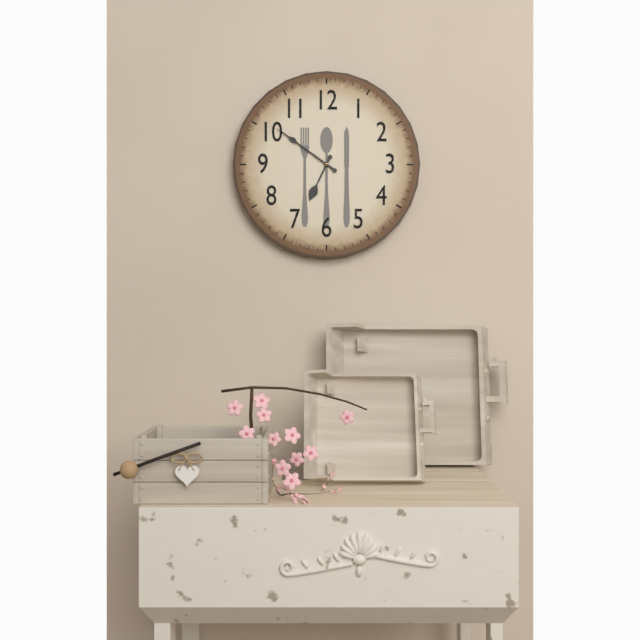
6:51
